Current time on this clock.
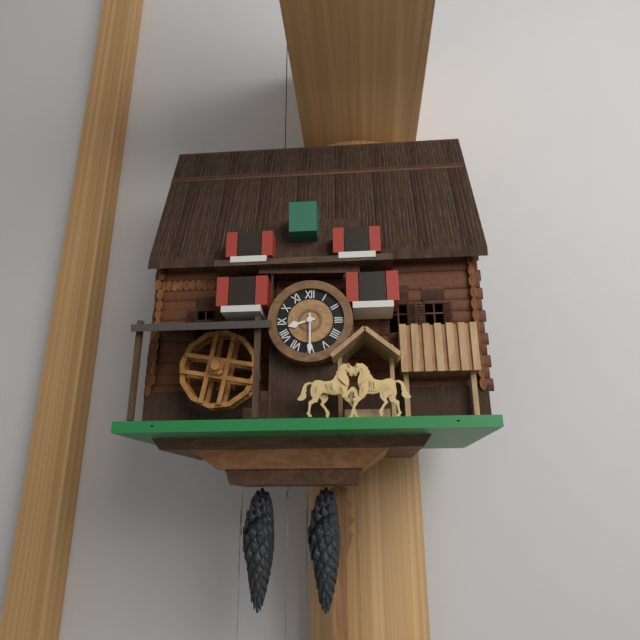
8:30
